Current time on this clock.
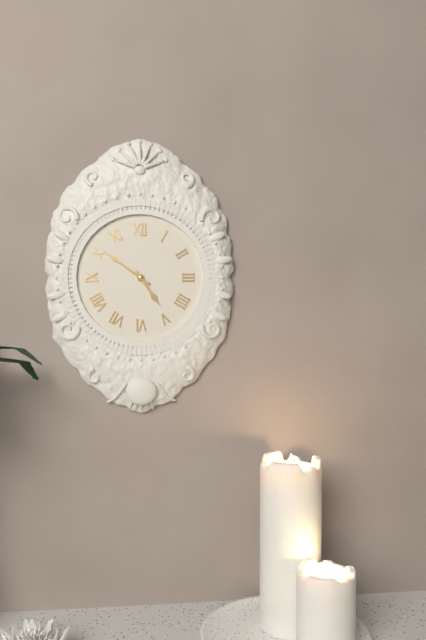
4:51
